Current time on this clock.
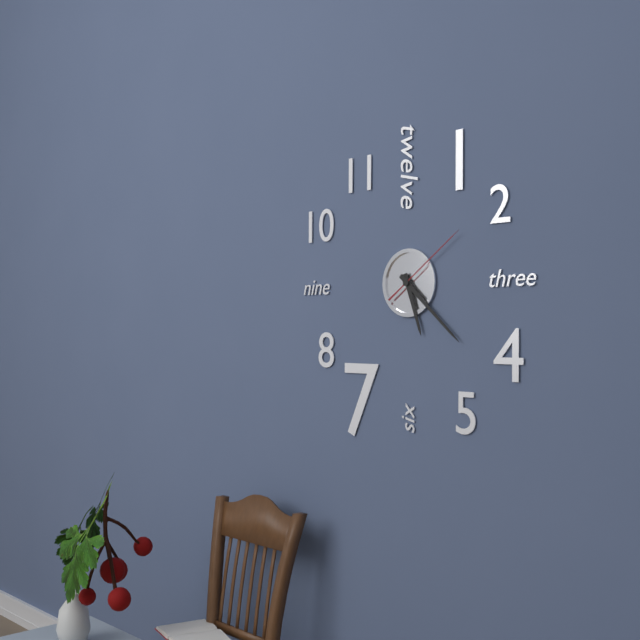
5:22:09
